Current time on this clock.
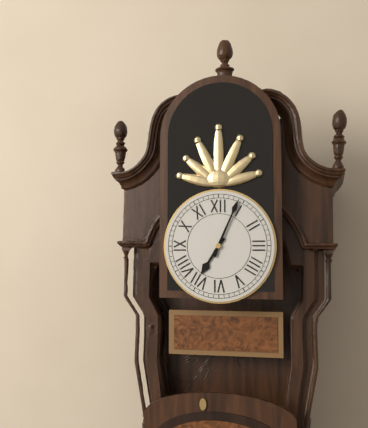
7:04
